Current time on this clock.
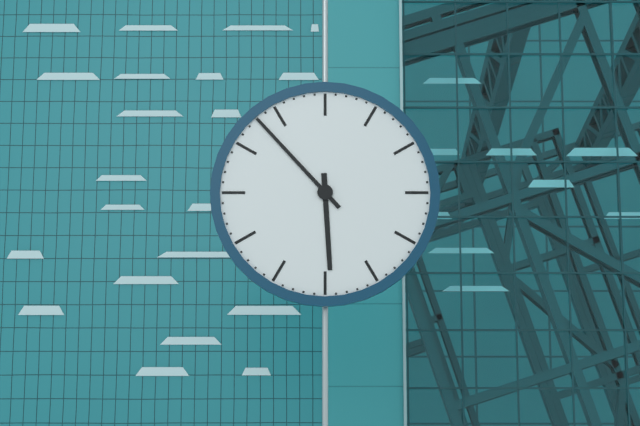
5:53
